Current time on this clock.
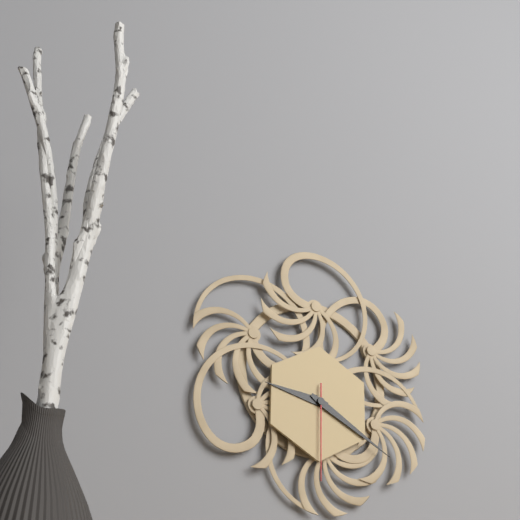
9:20:30
